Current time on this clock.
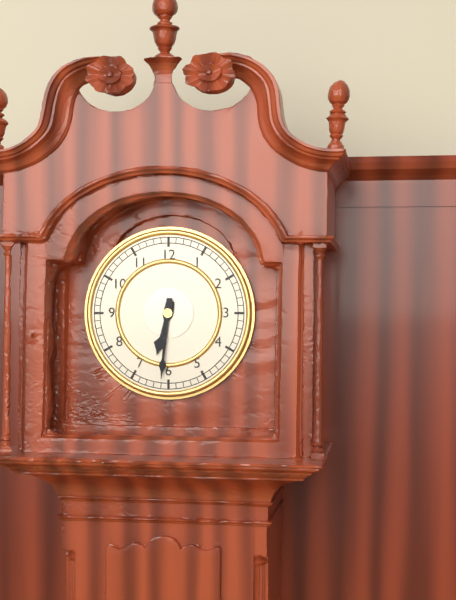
6:31
